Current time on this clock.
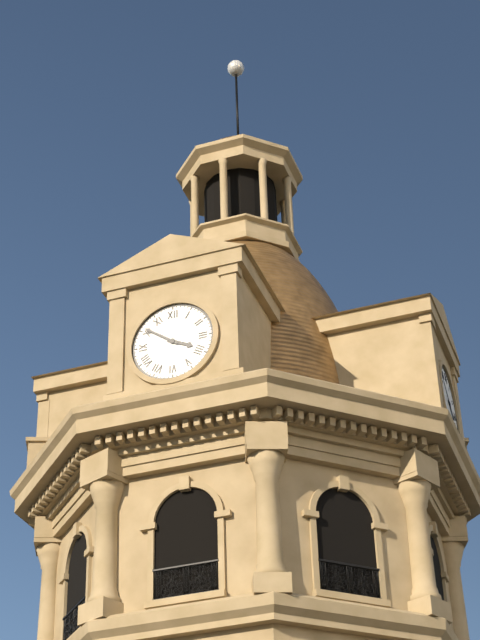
3:51
